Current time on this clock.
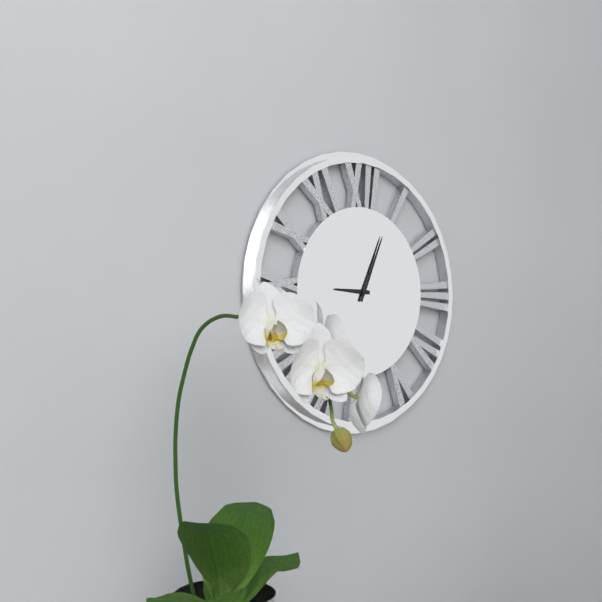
9:04
